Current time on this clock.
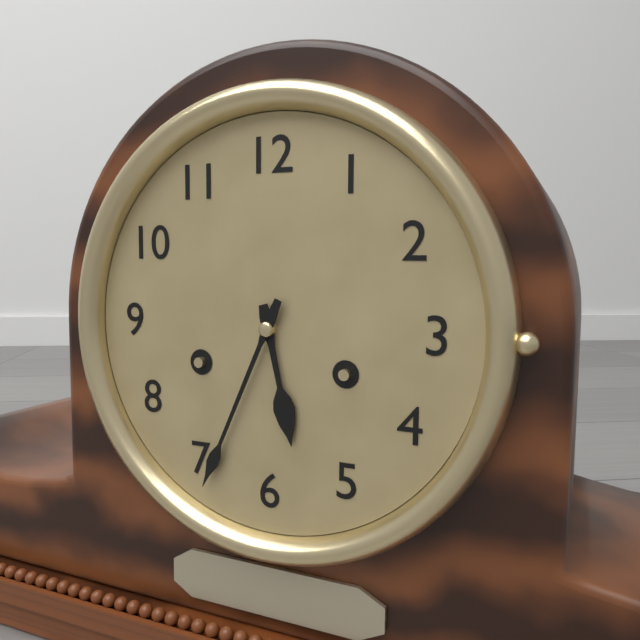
5:34
